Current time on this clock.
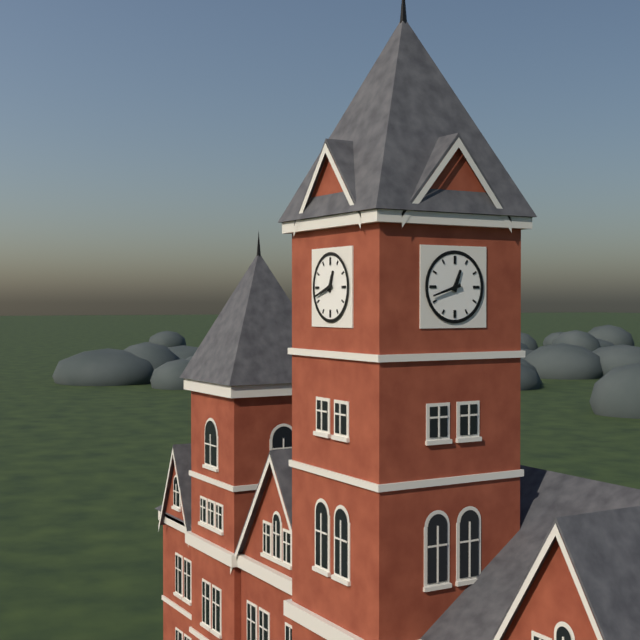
12:42
